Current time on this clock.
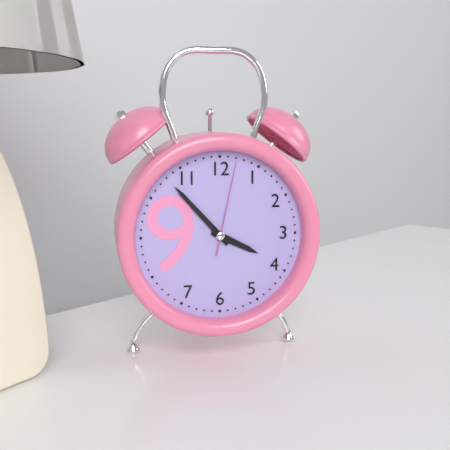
3:53:02
